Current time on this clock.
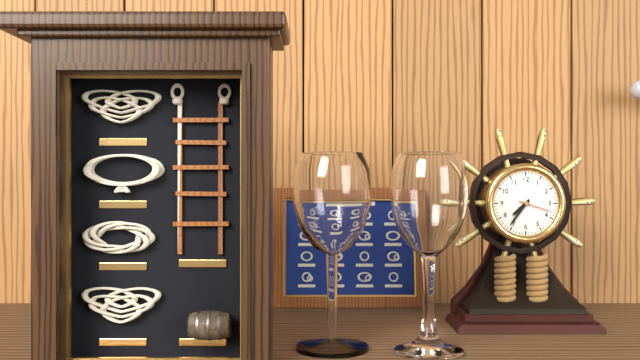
7:36
